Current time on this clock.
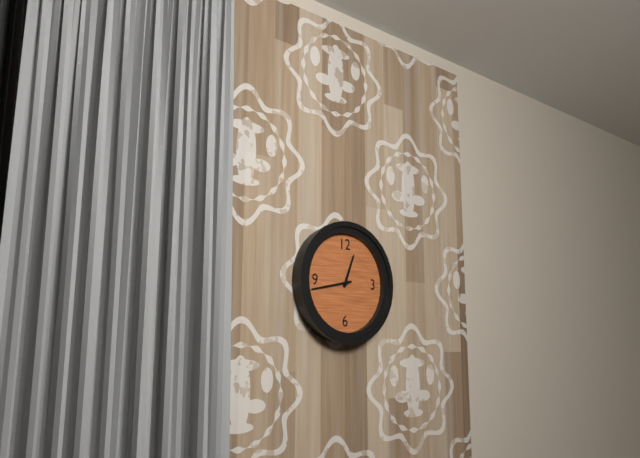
12:43
